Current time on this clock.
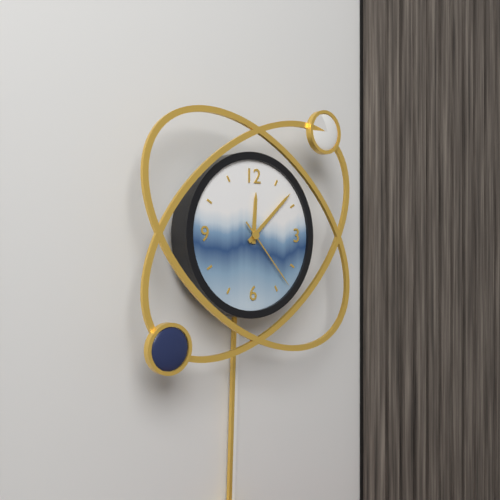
12:08:23
